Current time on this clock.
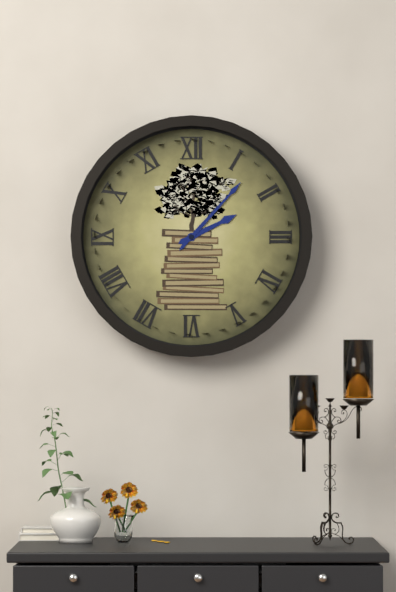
2:07
